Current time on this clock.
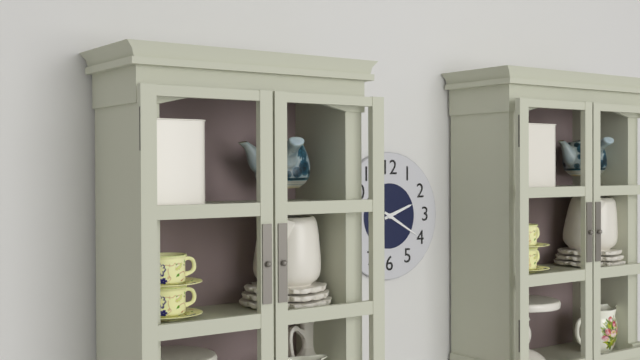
2:20
